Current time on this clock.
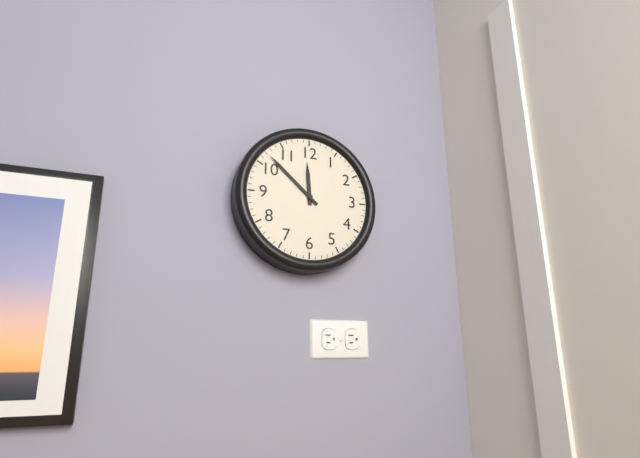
11:52
